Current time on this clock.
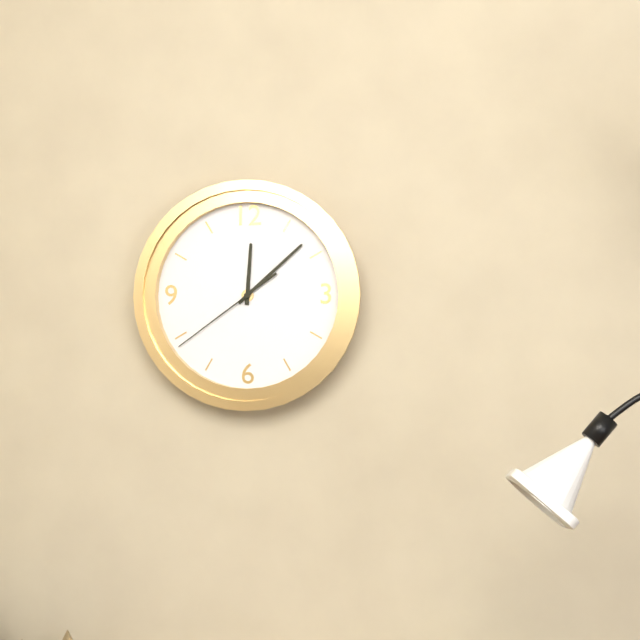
12:08:39
